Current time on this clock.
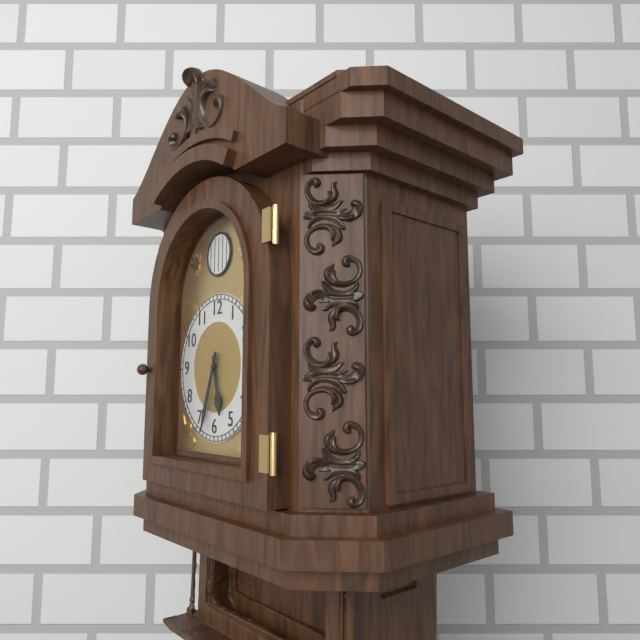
5:33
